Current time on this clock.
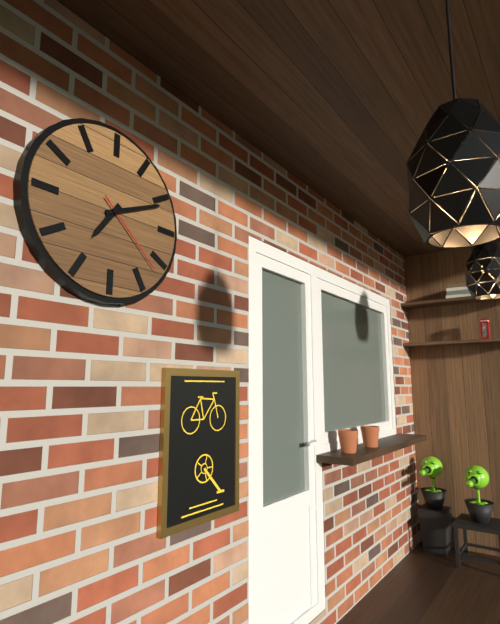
7:11:22
